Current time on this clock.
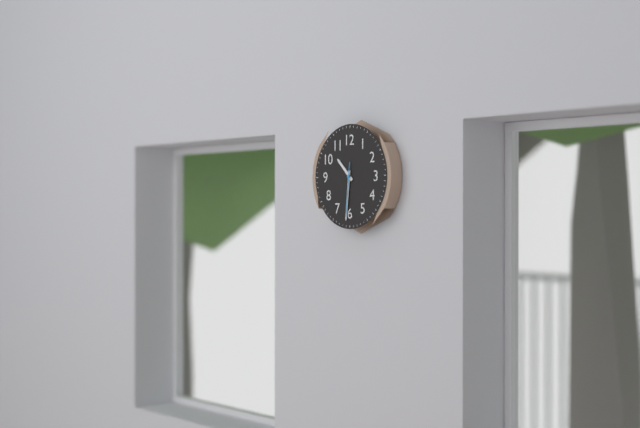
10:31:31
